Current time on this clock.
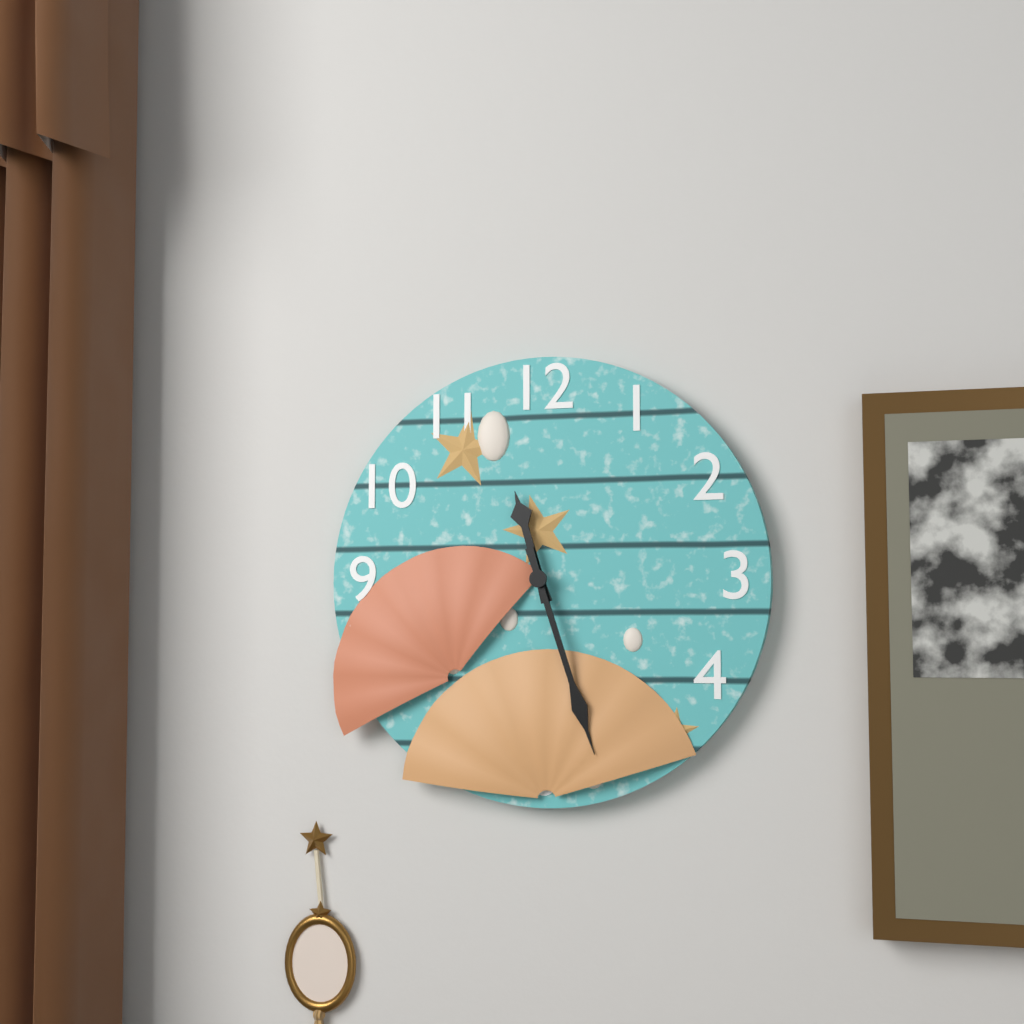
11:27
